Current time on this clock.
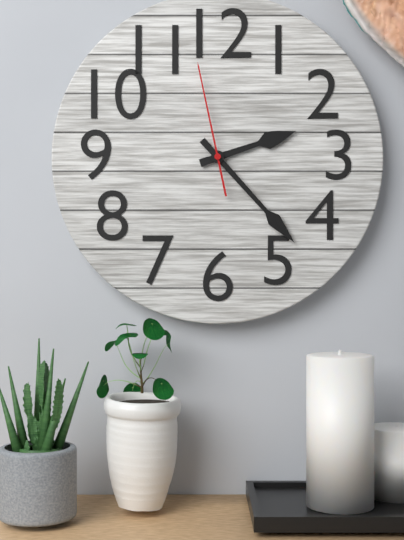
2:23:58
